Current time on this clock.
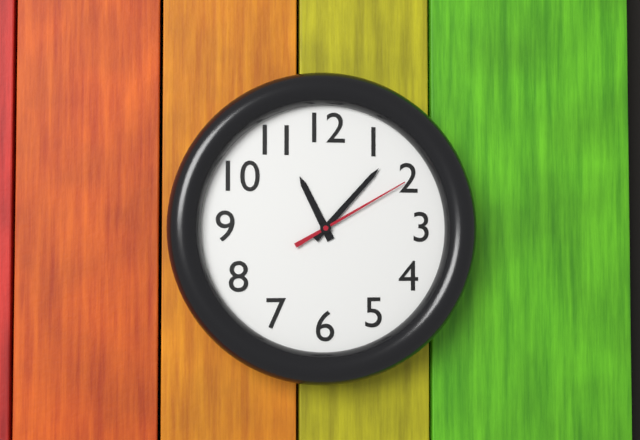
11:07:10
